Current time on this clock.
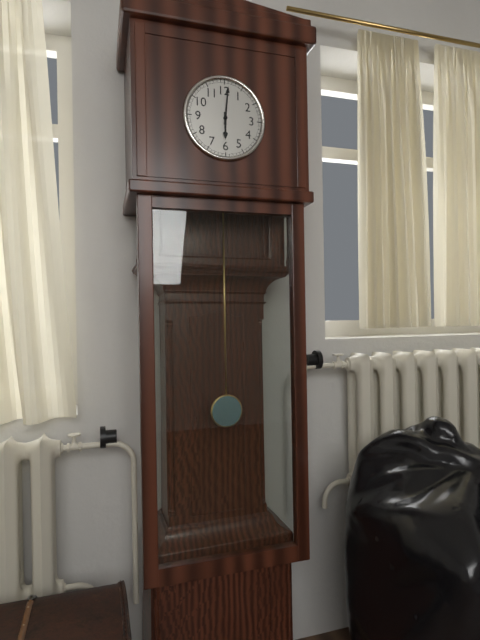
6:01
